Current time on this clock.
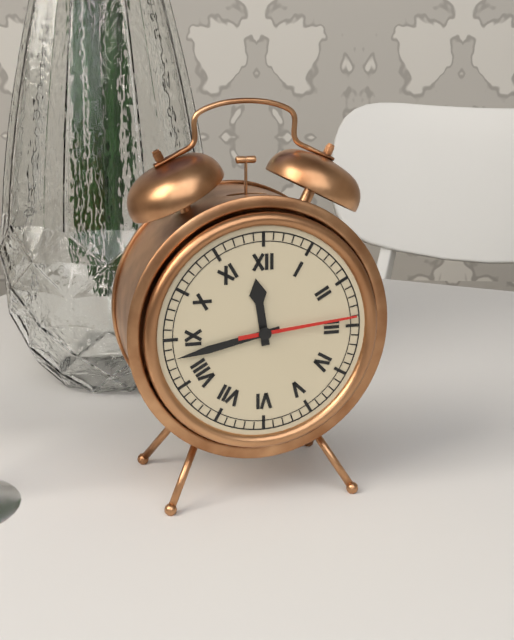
11:43:14
